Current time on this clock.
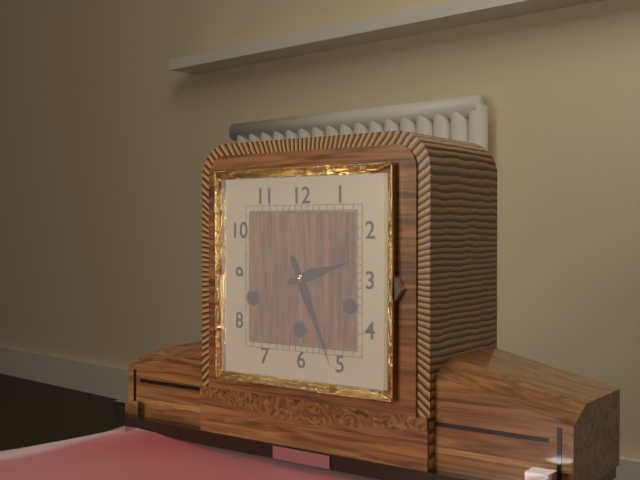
2:26
